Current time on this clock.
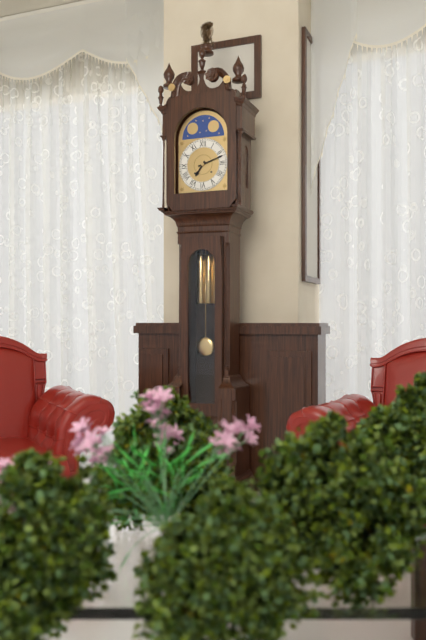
7:12
